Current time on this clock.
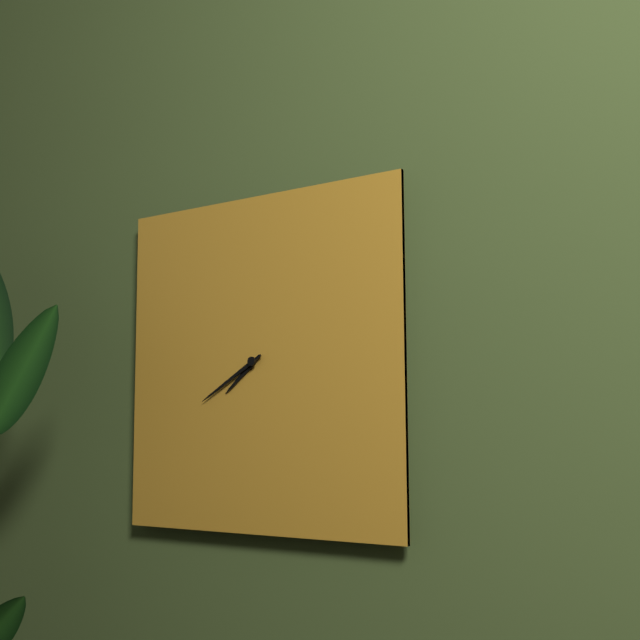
7:40
